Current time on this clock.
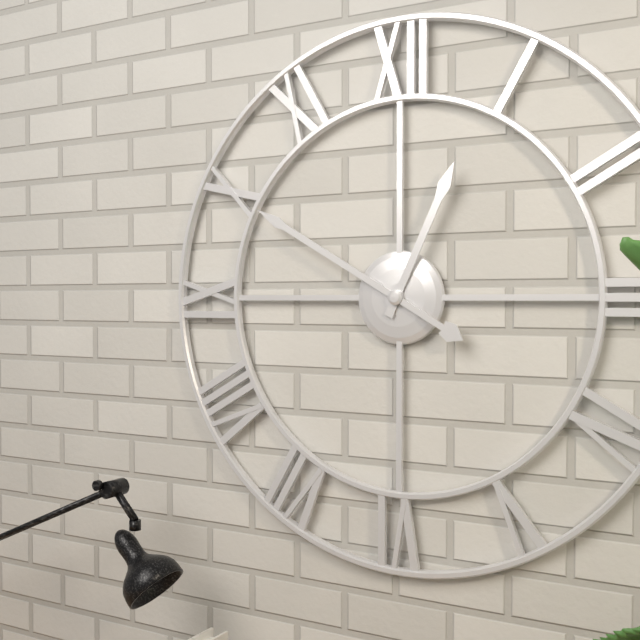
12:50
